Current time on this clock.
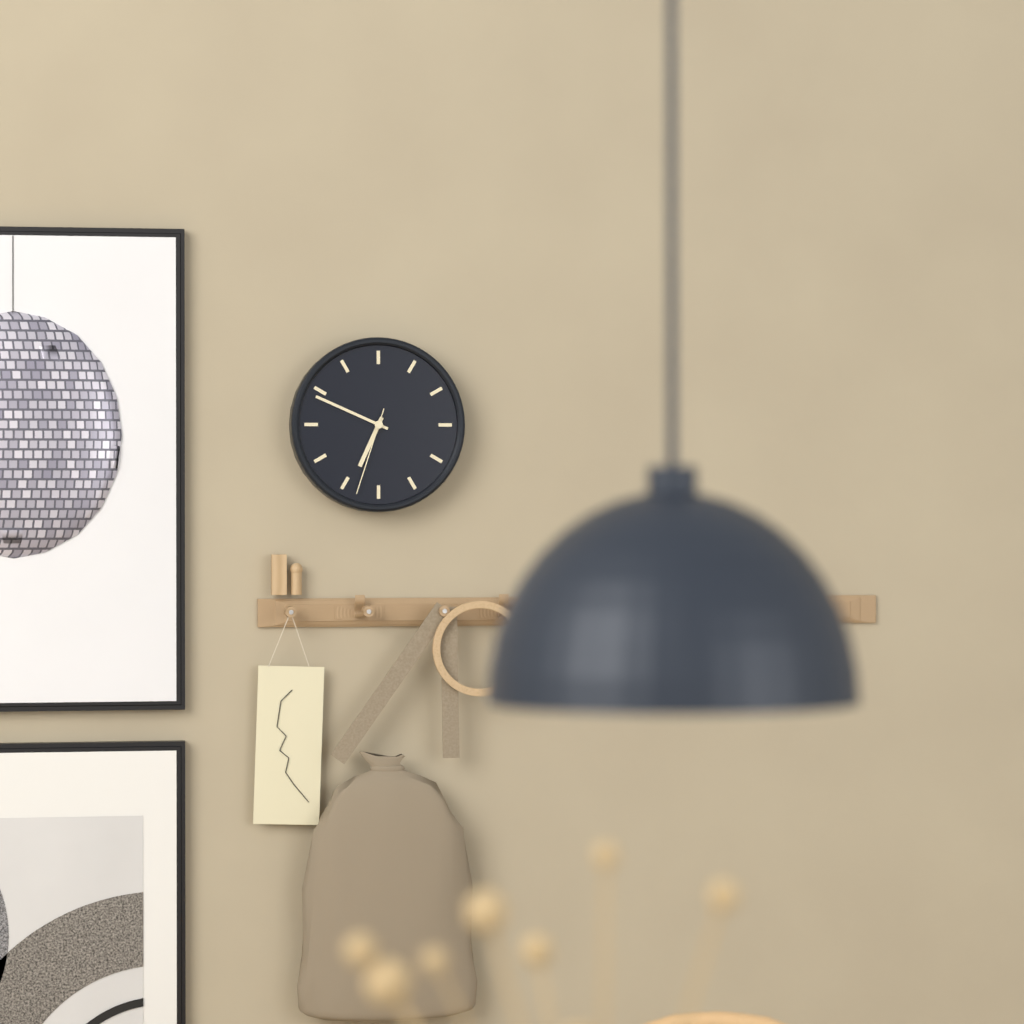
6:49:33
